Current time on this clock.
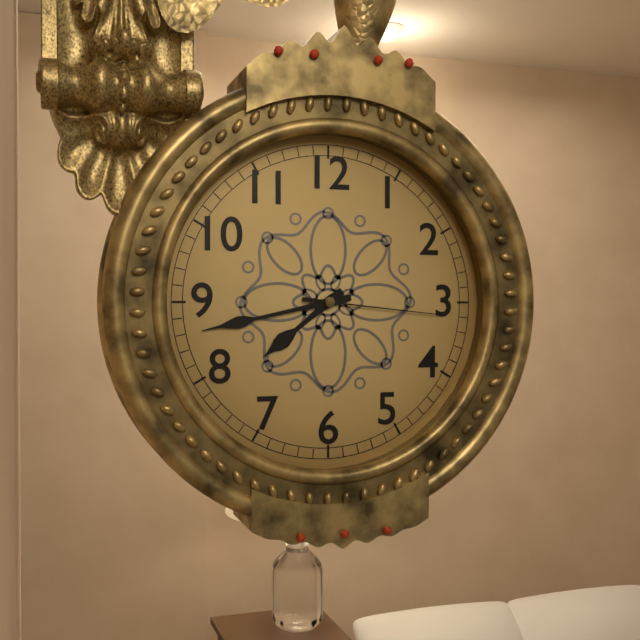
7:43:16
